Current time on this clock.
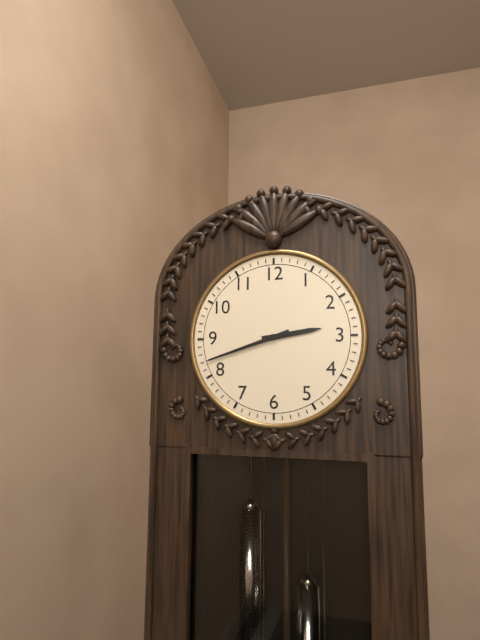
2:42
